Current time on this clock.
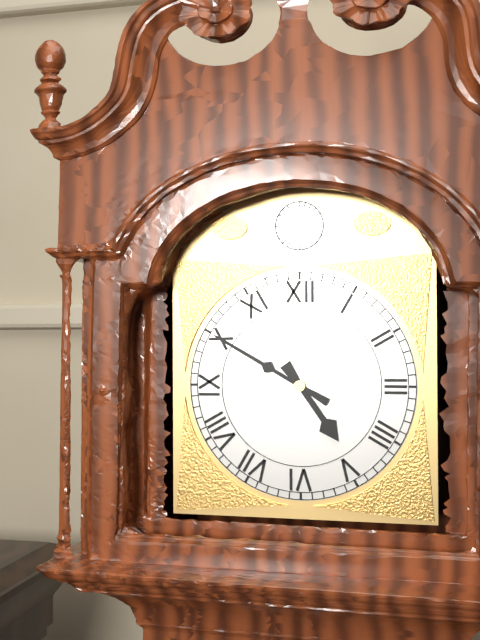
4:50
